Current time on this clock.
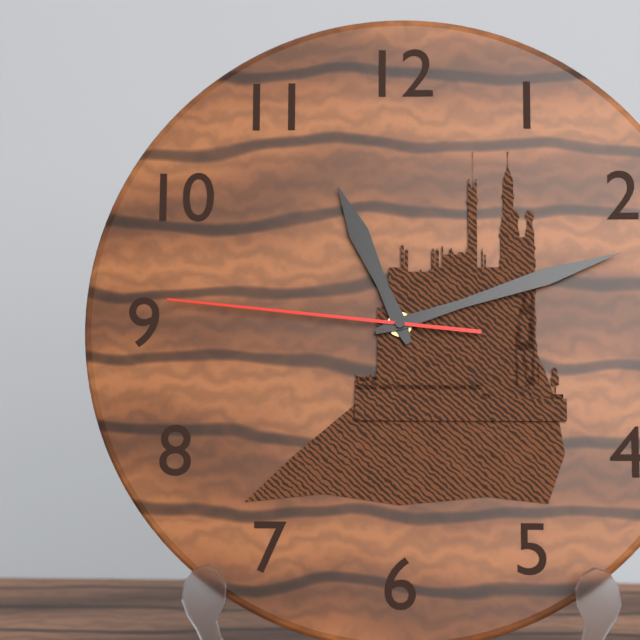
11:12:46
